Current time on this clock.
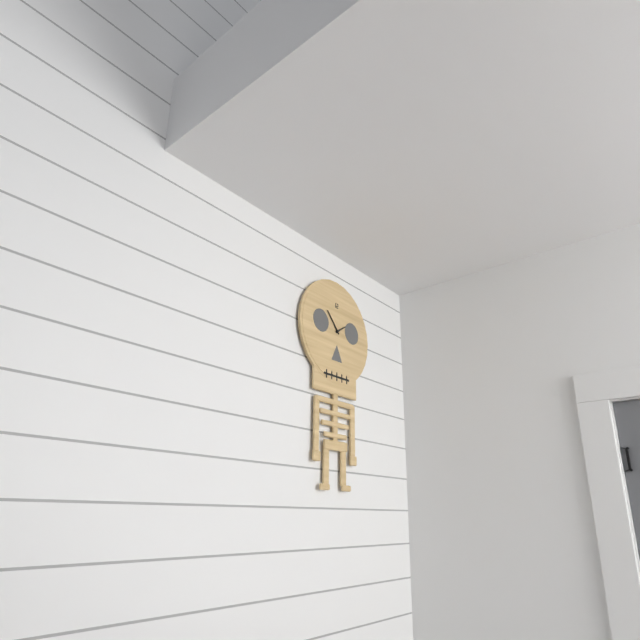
1:53
